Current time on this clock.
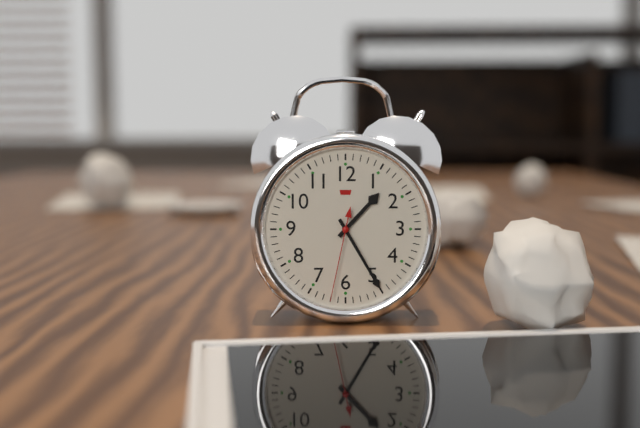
1:25:32
